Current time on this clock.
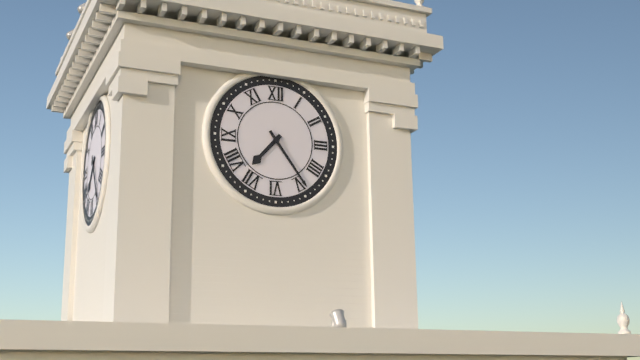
7:24
